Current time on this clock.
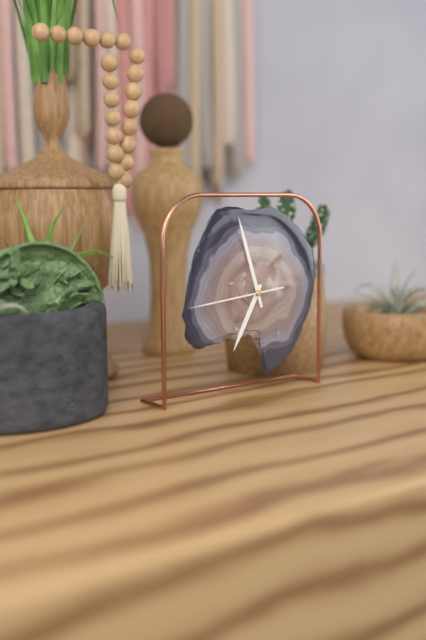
6:57:44
